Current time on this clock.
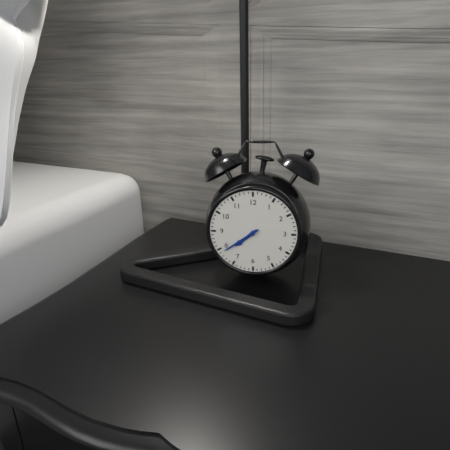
7:39
